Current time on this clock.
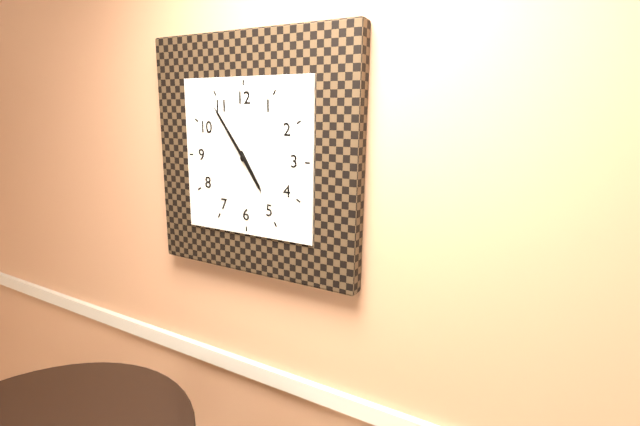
4:54
